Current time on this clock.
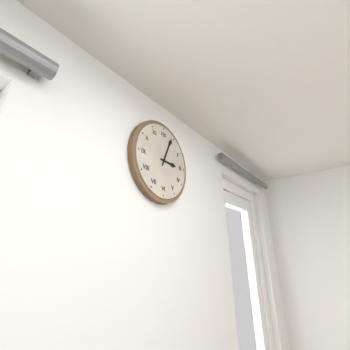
3:04
